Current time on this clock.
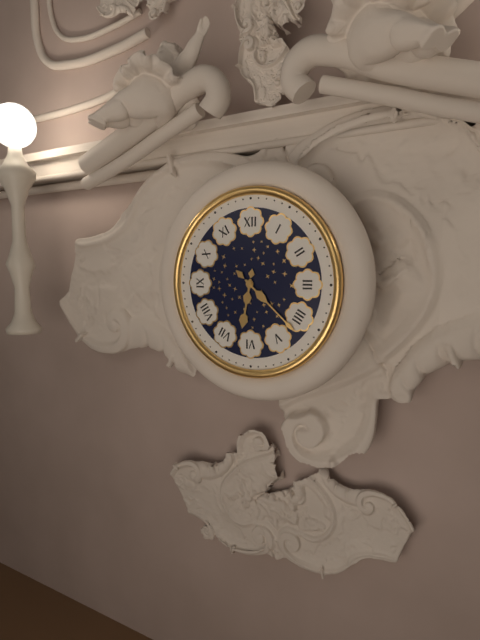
6:22
